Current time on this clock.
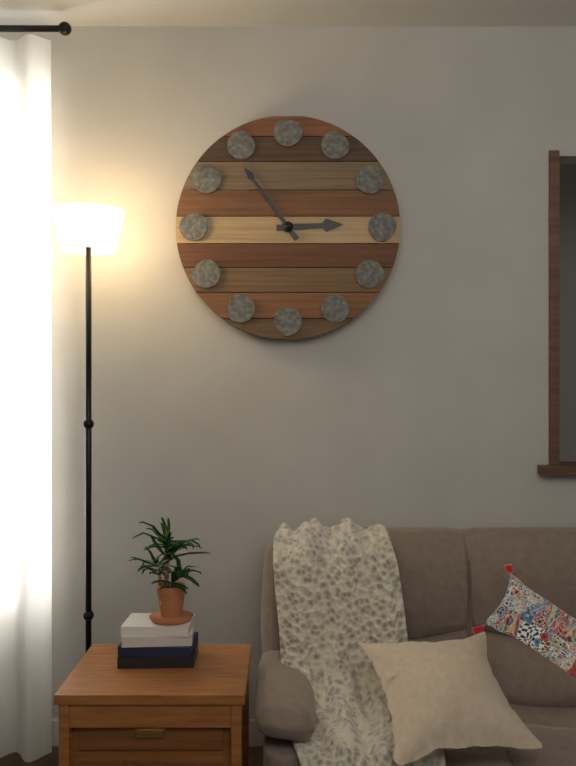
2:54
